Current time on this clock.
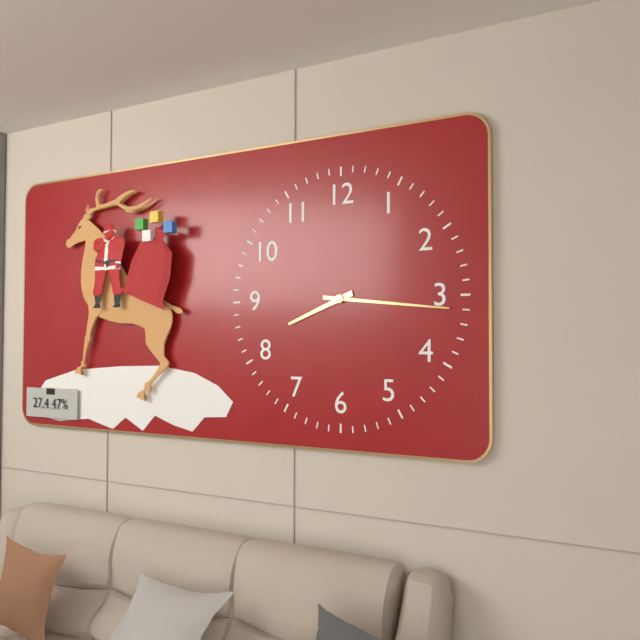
8:16
